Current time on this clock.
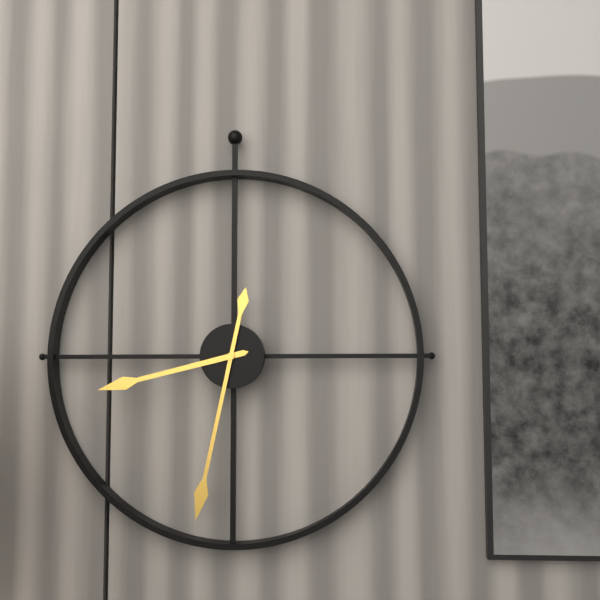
8:32
